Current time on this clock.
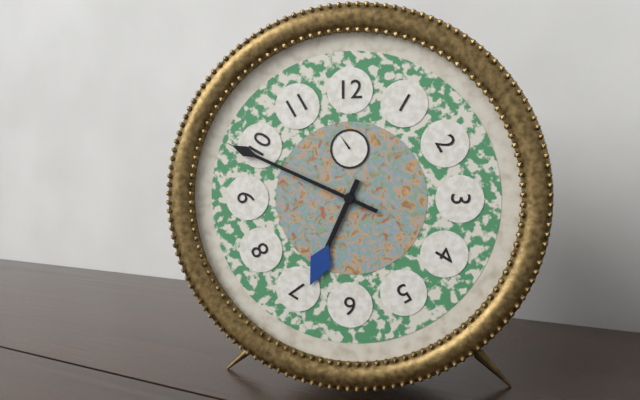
6:49
